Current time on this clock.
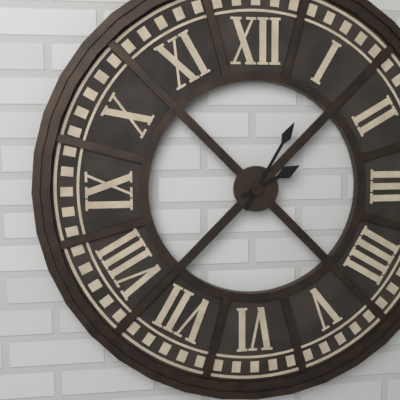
2:05
